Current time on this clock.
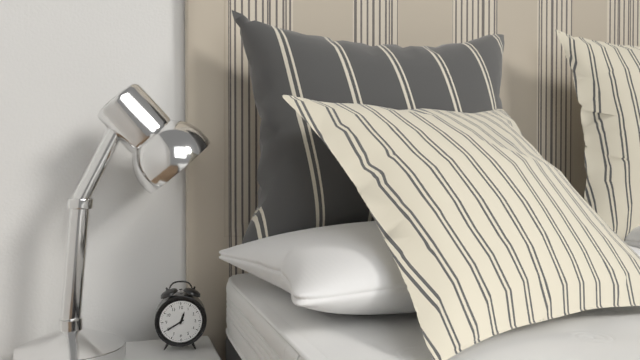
12:40
